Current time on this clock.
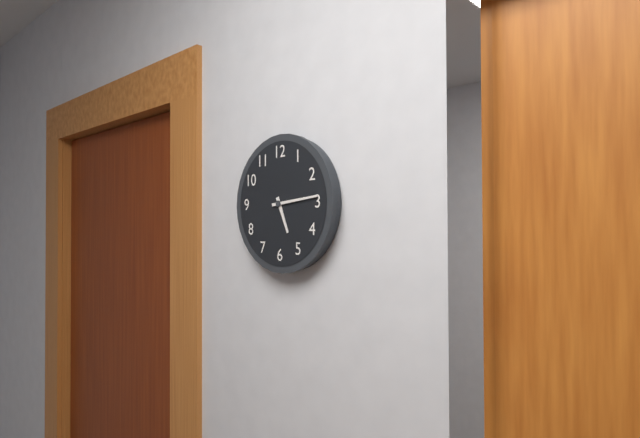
5:14
